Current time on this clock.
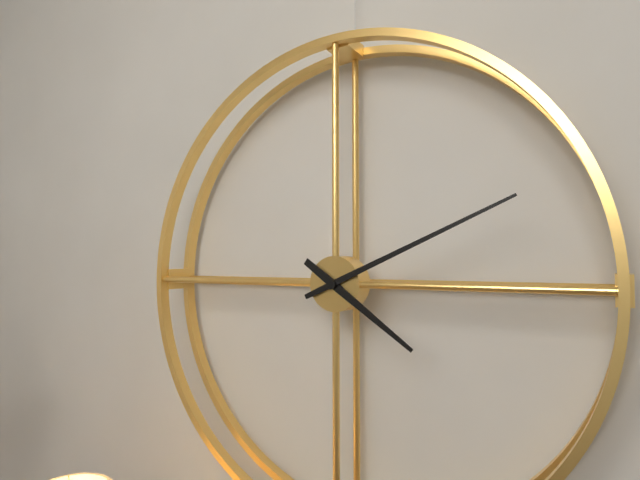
4:11
